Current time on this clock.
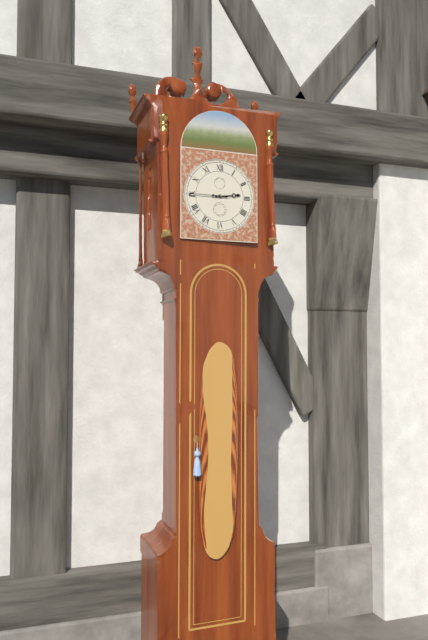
2:45
